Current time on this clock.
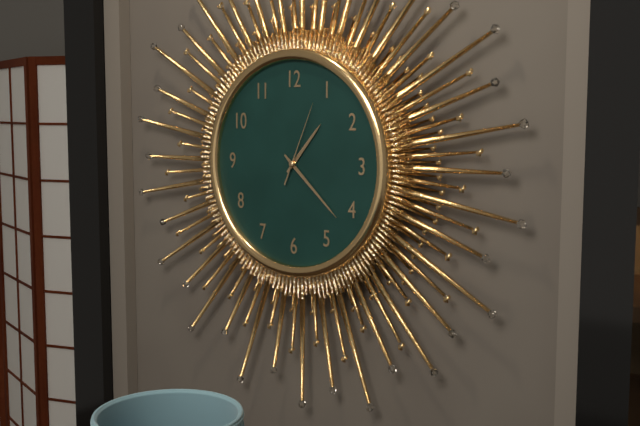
1:22:04
